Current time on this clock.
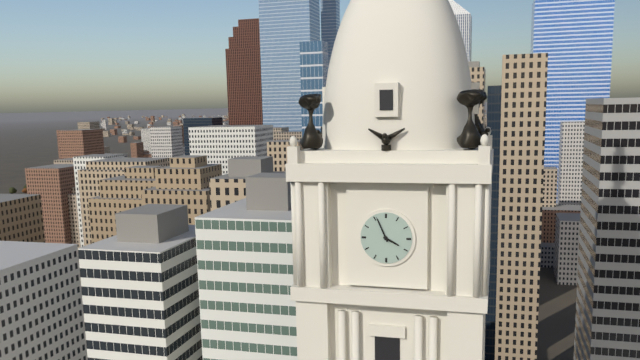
3:56
